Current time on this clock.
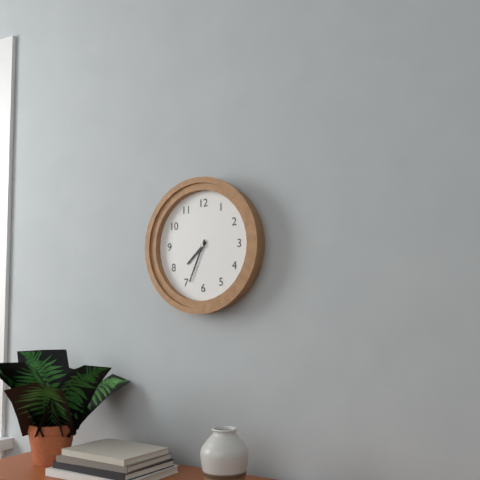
7:34
